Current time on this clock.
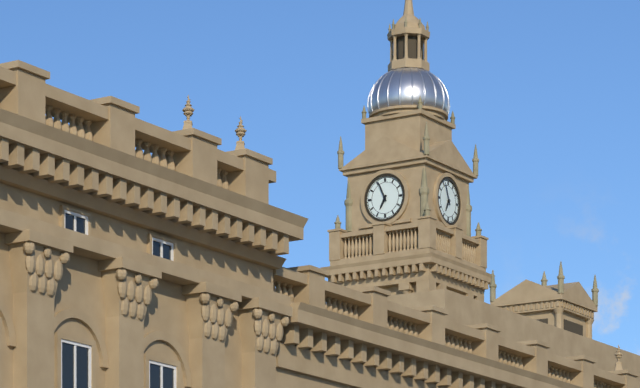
6:56
